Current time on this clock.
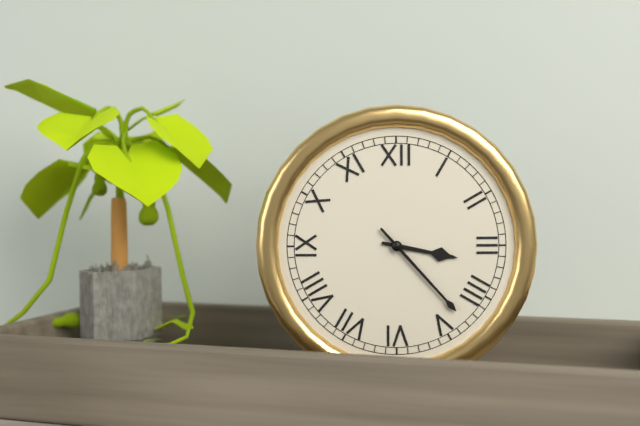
3:23
